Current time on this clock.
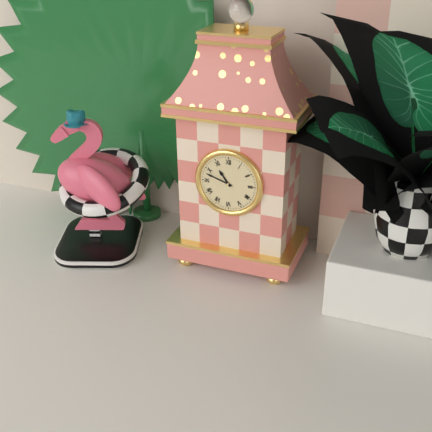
10:48
